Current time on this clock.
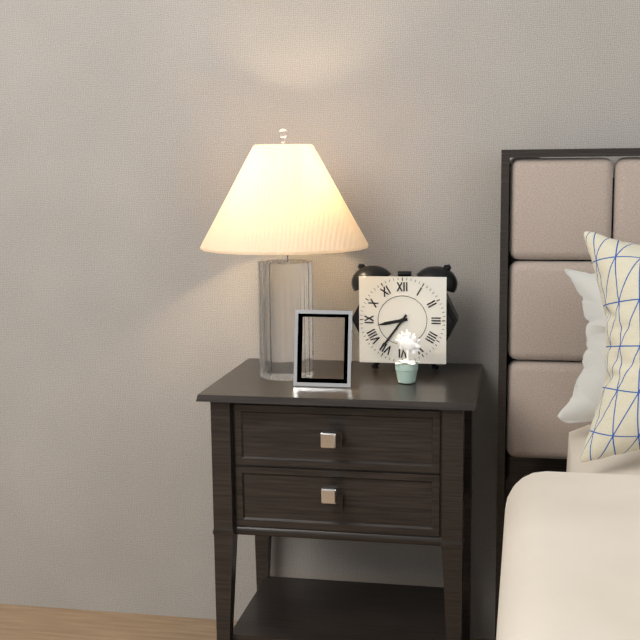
8:36
